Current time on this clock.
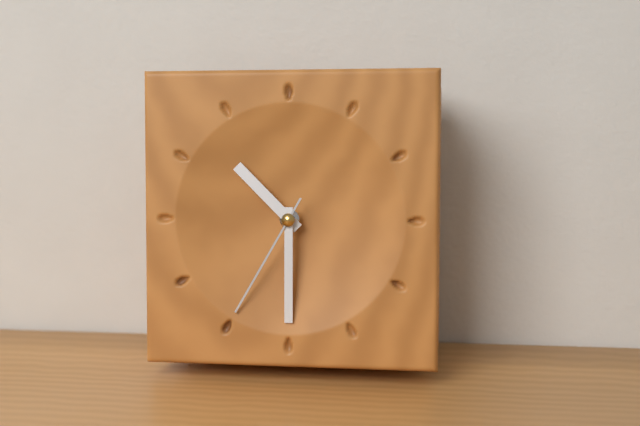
10:30:35
